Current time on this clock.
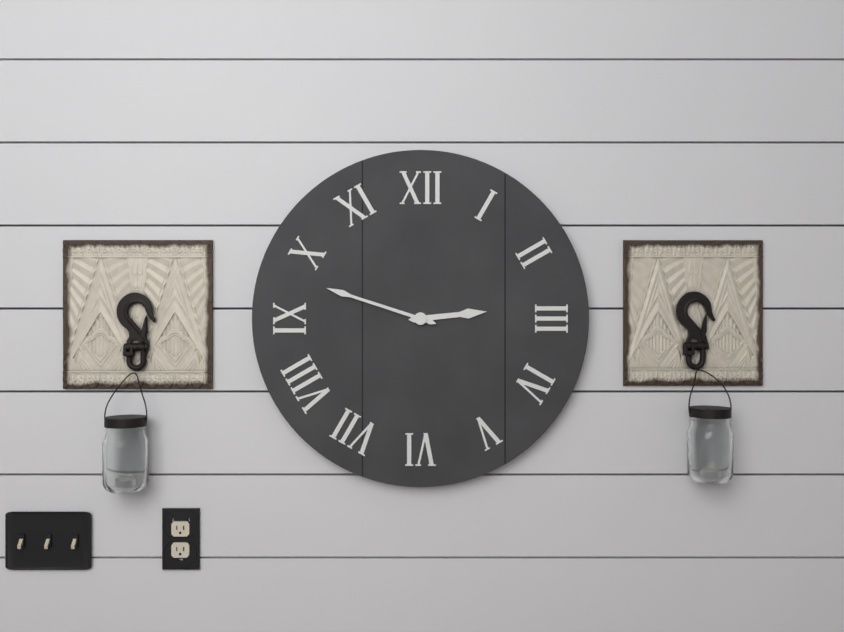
2:48
